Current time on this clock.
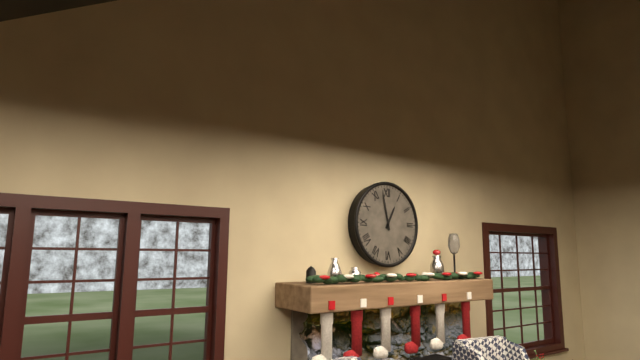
12:58
